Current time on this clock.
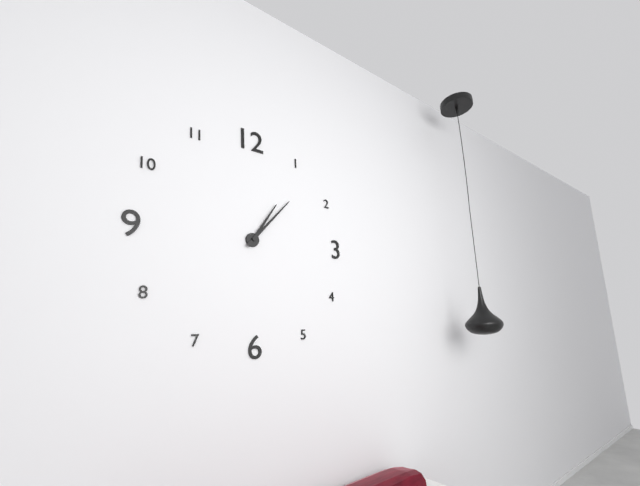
1:07
